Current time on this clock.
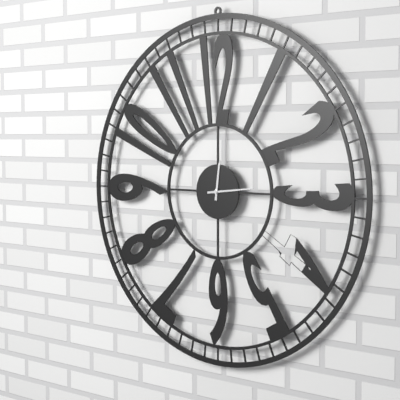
12:14
